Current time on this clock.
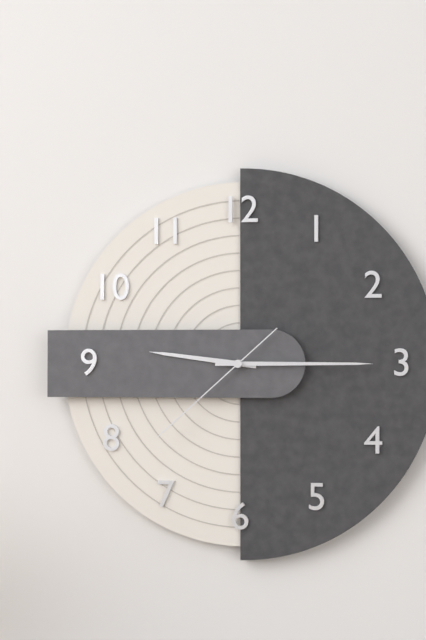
9:15:38
